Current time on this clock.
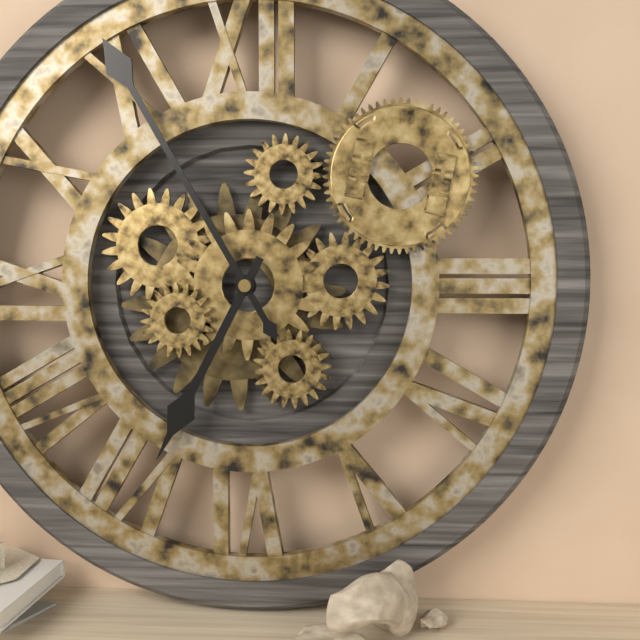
6:55
